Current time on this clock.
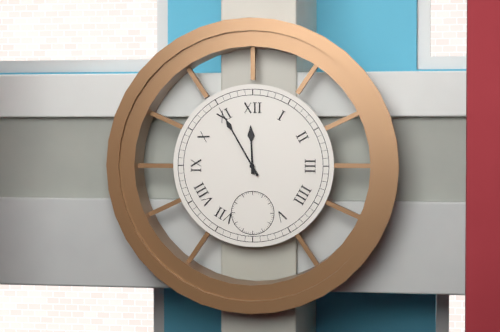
11:55
